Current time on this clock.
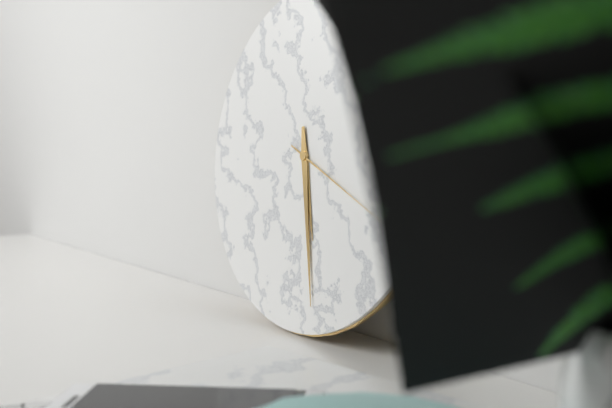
5:28:19
